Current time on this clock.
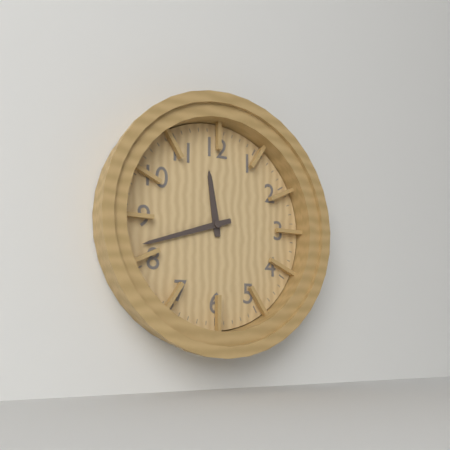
11:42
